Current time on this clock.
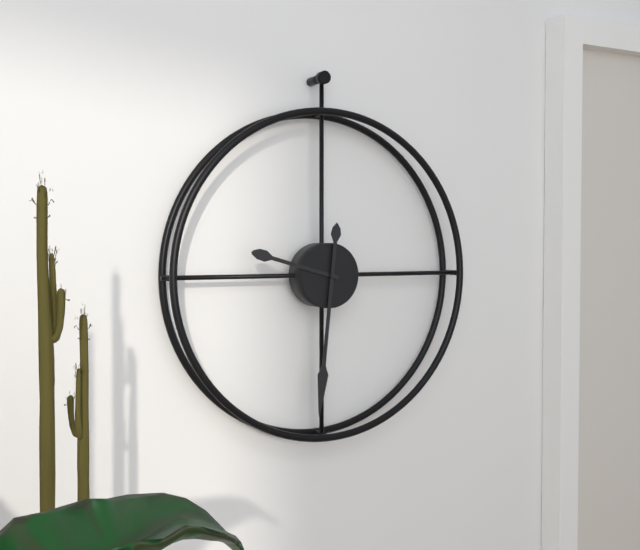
9:31
